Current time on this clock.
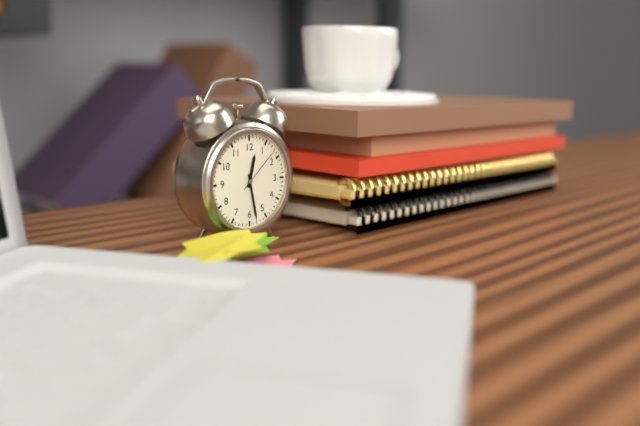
12:28:08
